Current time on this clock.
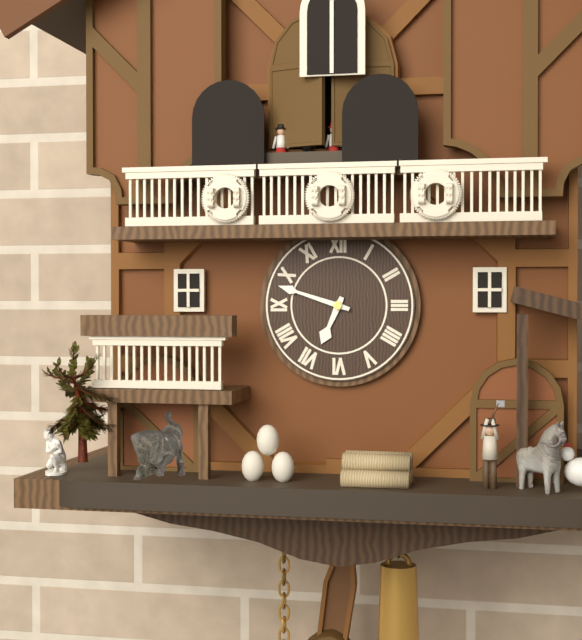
6:48
